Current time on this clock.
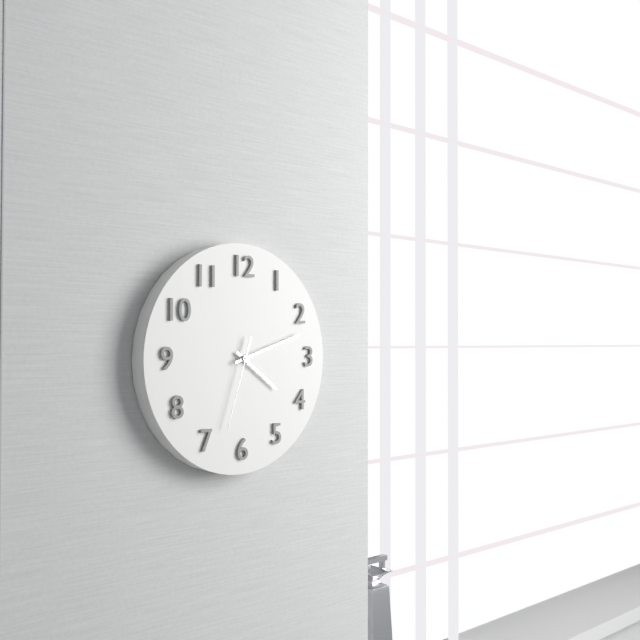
4:12:33
